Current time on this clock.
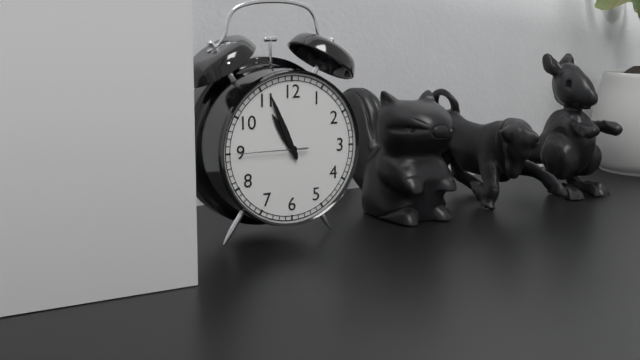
10:56:45
